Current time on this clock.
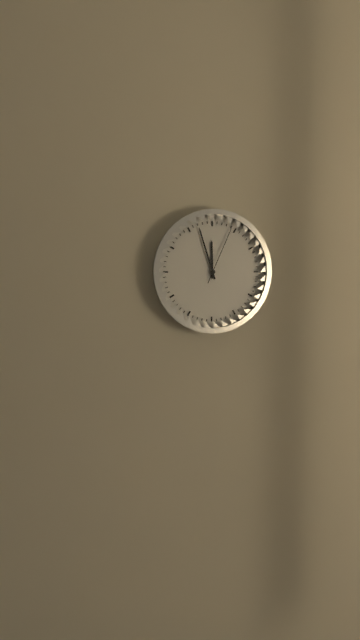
11:57:04
